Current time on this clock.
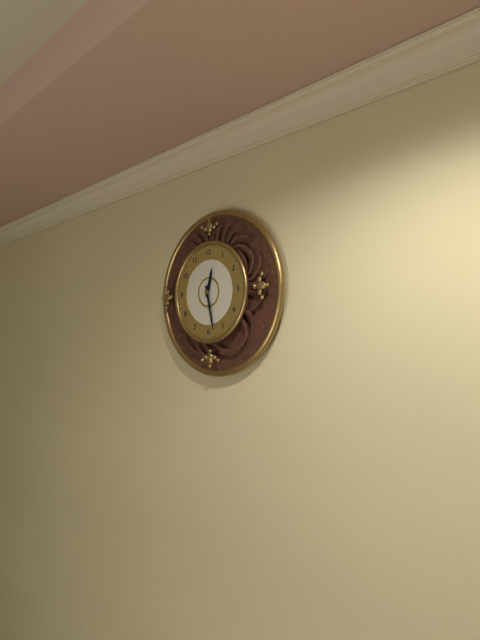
12:28
